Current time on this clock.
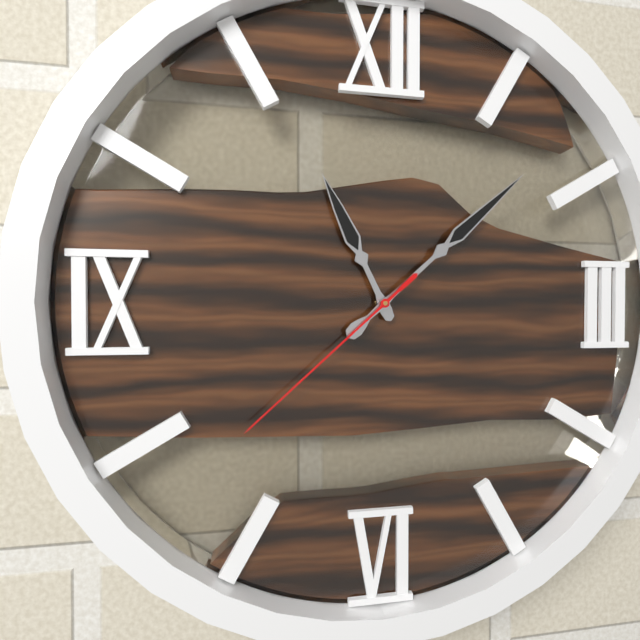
11:08:38
